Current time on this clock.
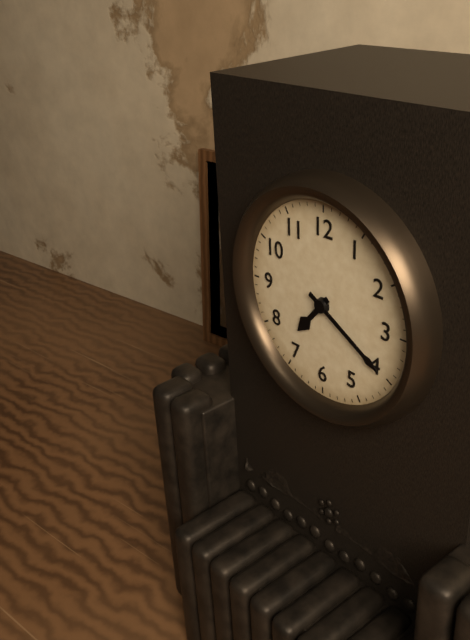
7:20
